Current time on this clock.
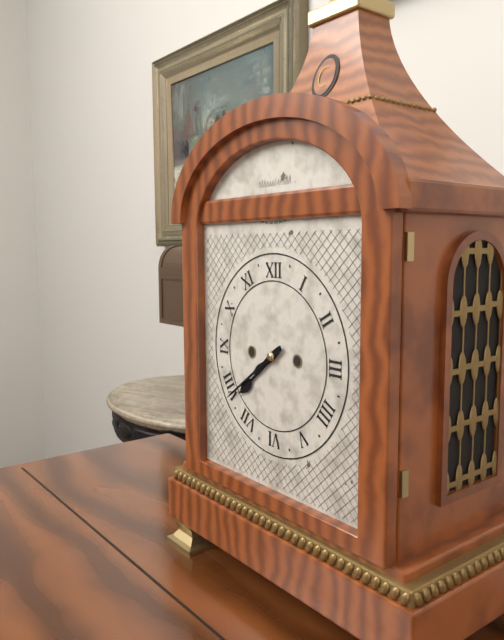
7:39
